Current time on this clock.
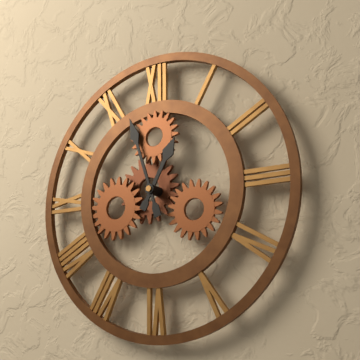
12:57
